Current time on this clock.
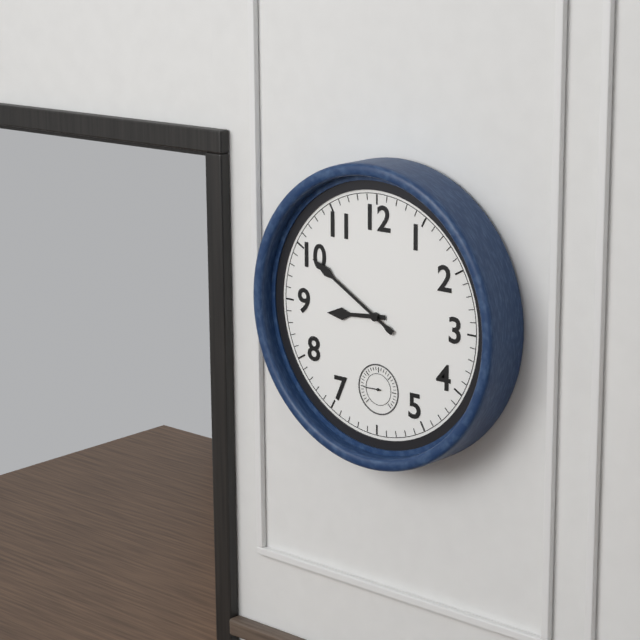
8:50
